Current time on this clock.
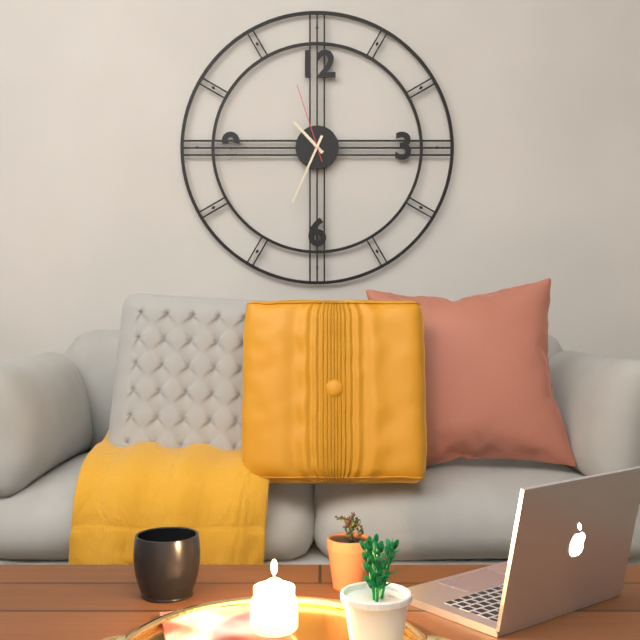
10:34:57
